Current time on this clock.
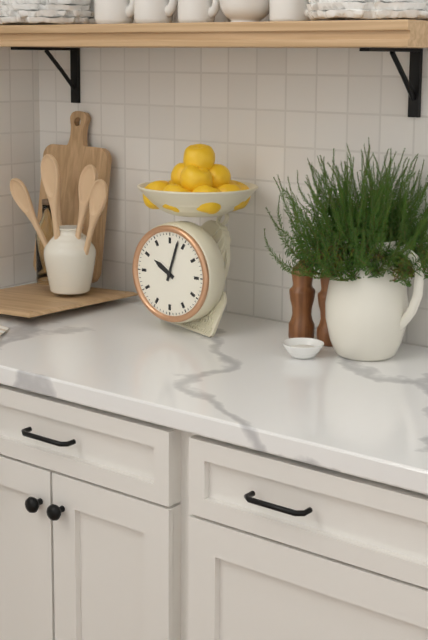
10:03
